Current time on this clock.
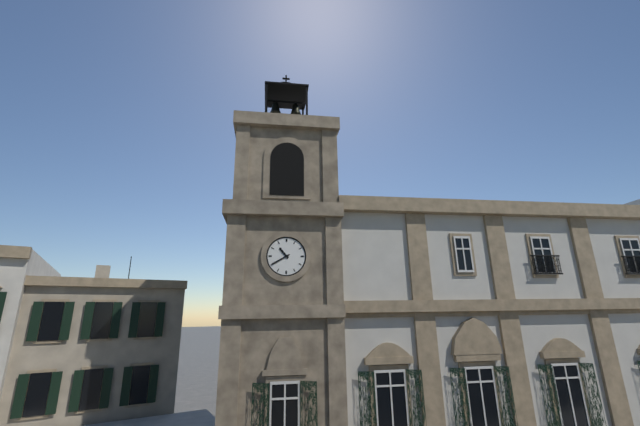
10:40
